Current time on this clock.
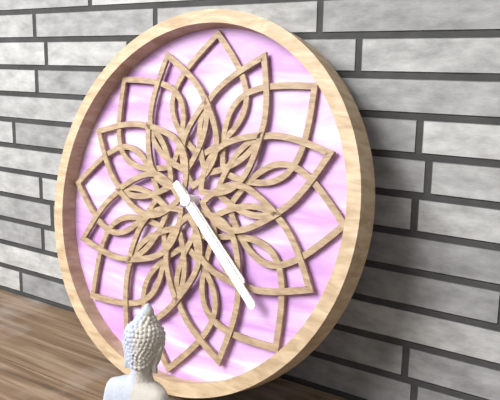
4:22
